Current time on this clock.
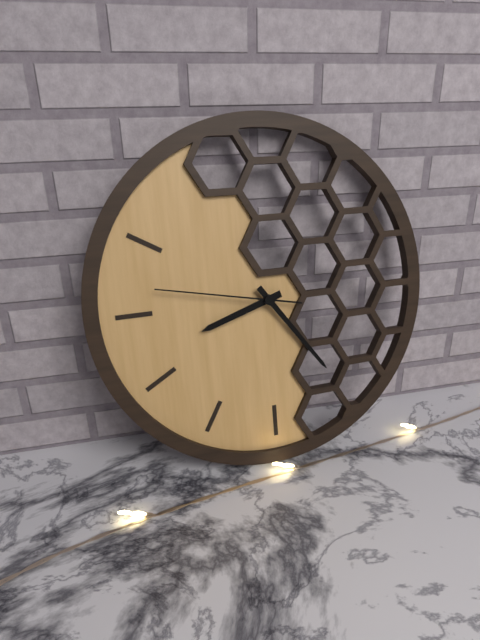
8:24:47
